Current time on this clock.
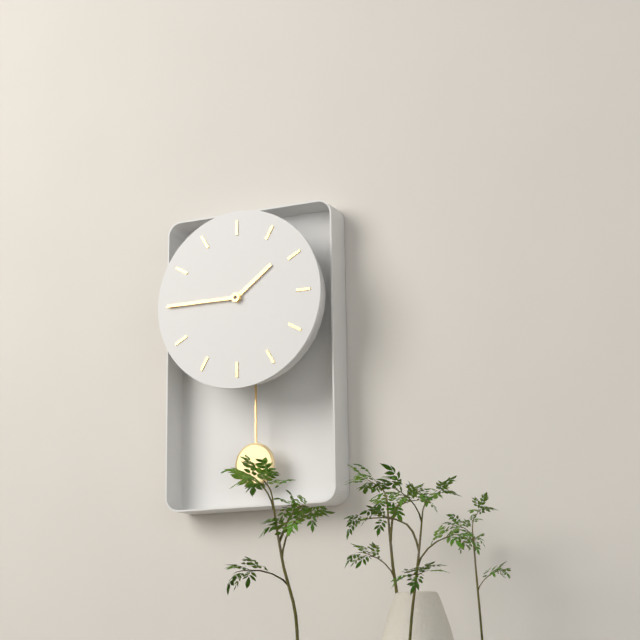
1:45
